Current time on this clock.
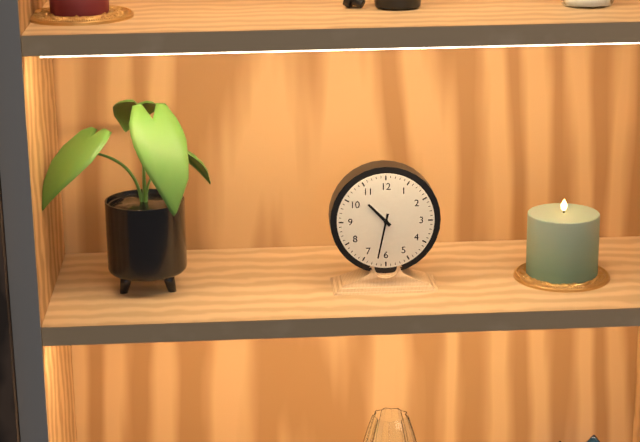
10:32
